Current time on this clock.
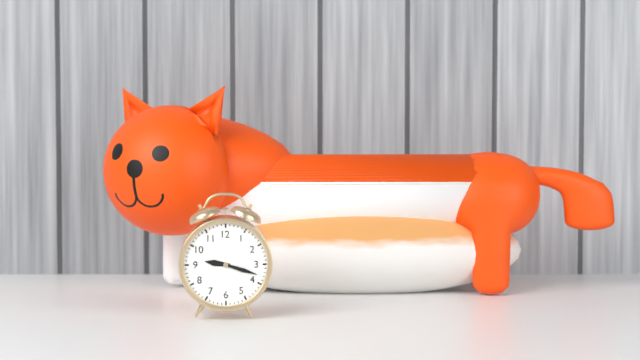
9:18
